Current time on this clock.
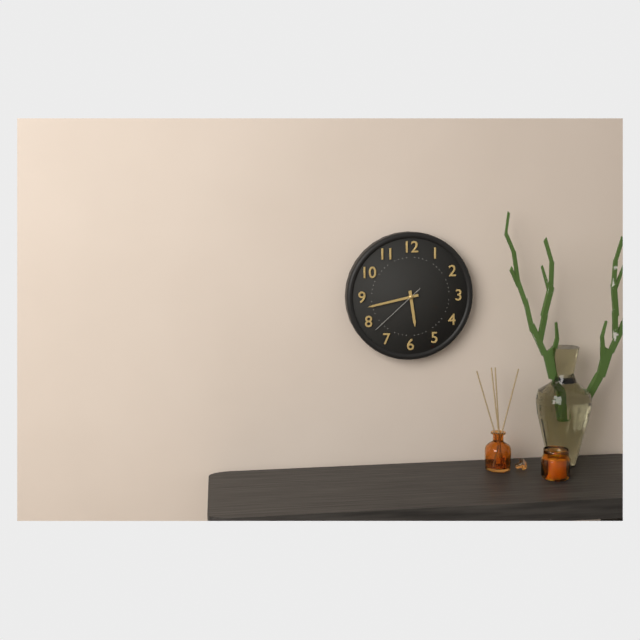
5:43:38
